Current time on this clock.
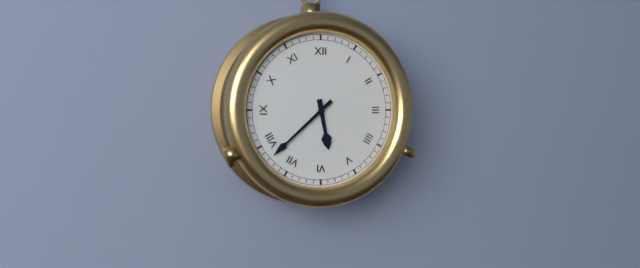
5:38
